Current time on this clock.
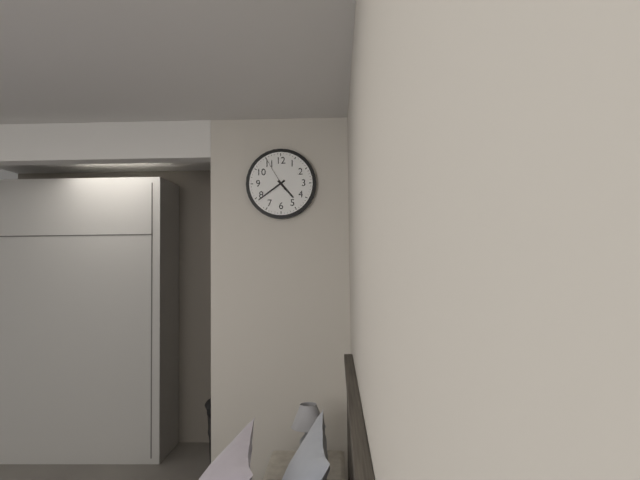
4:39
